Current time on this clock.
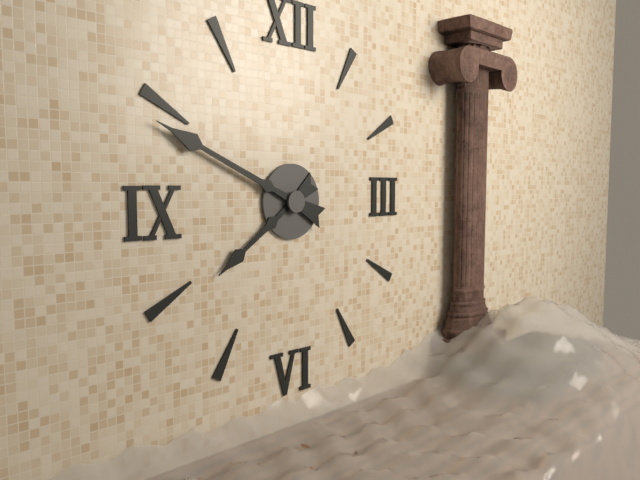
7:49
